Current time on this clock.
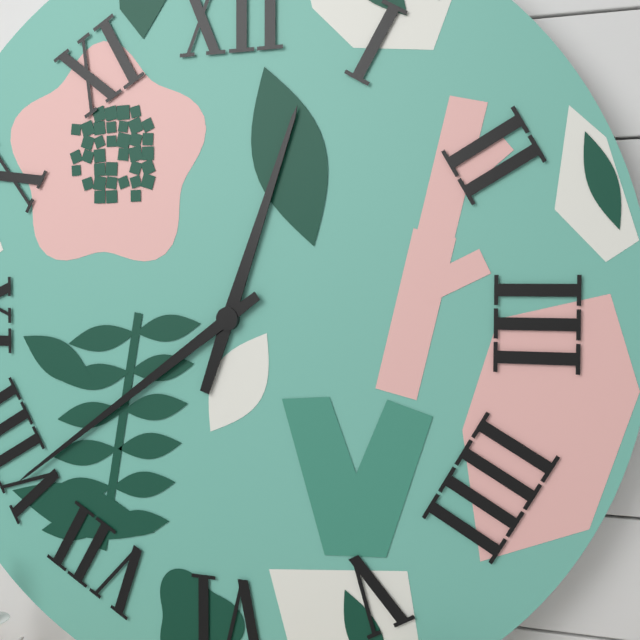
12:39
